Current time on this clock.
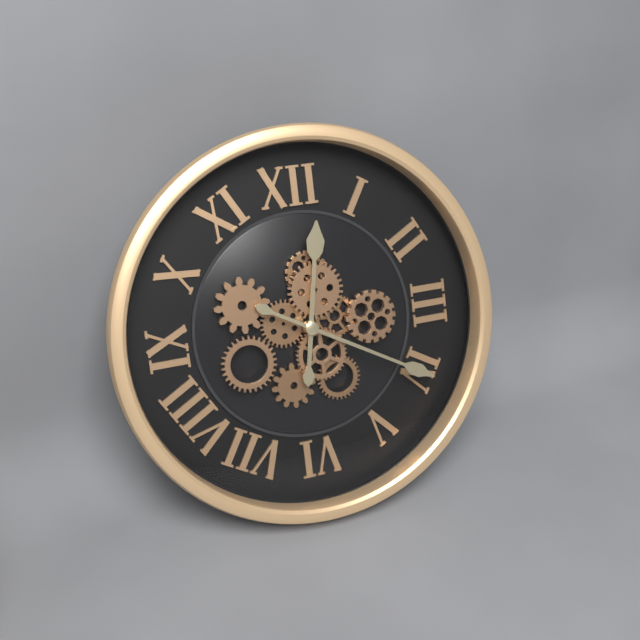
12:20
